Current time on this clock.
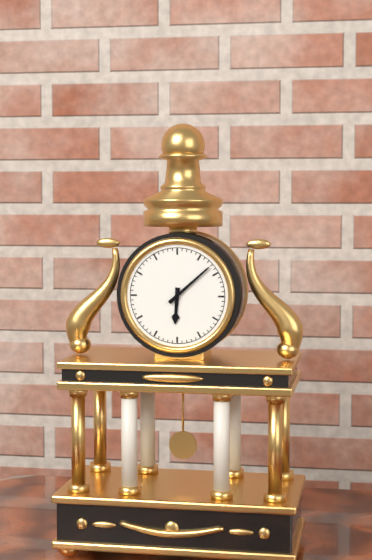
6:08
